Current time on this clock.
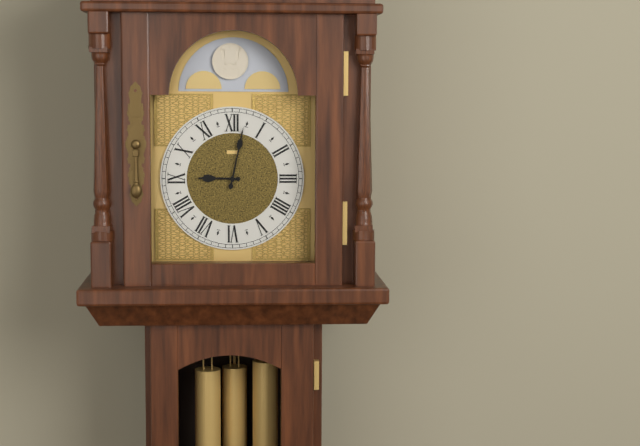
9:02
